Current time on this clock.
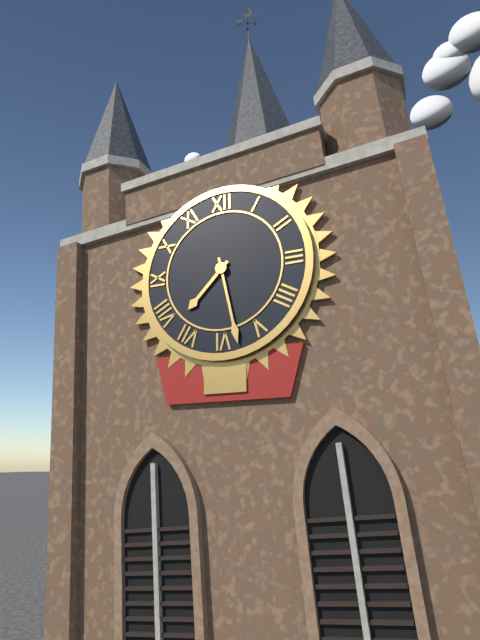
7:28
